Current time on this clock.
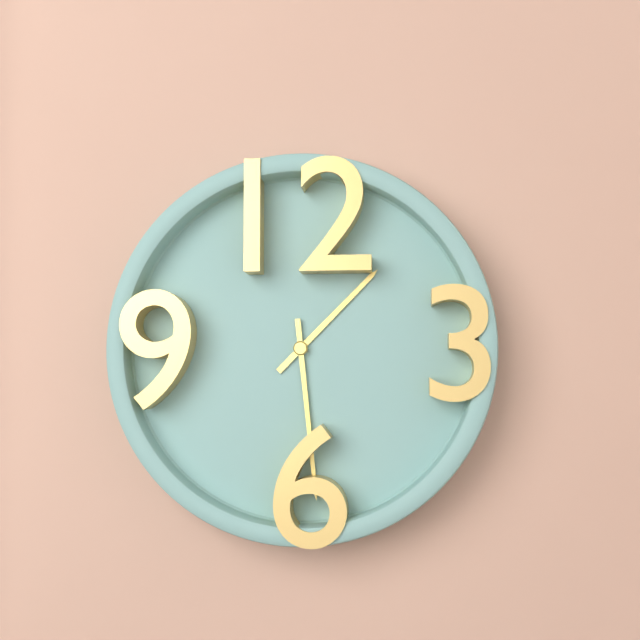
1:29
